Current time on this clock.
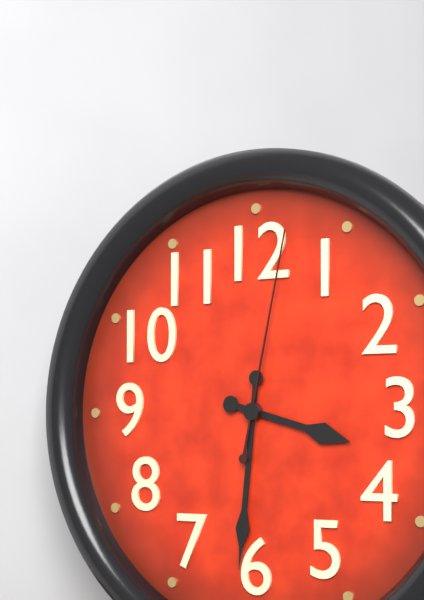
3:31:02
